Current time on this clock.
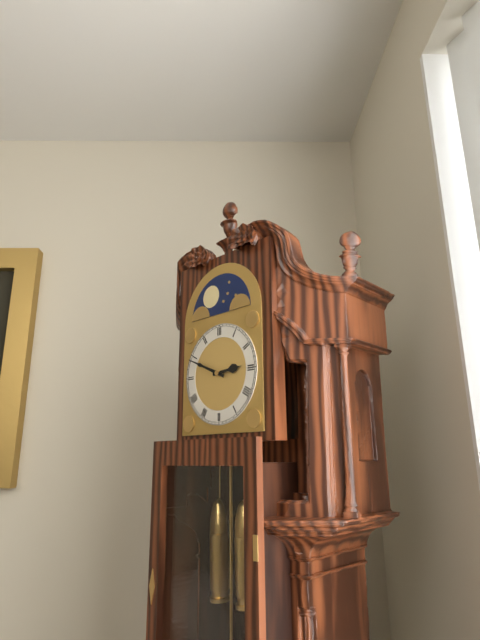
2:49
